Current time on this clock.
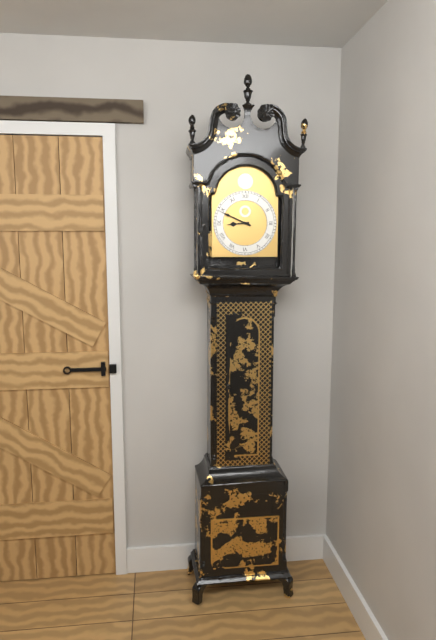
8:49
